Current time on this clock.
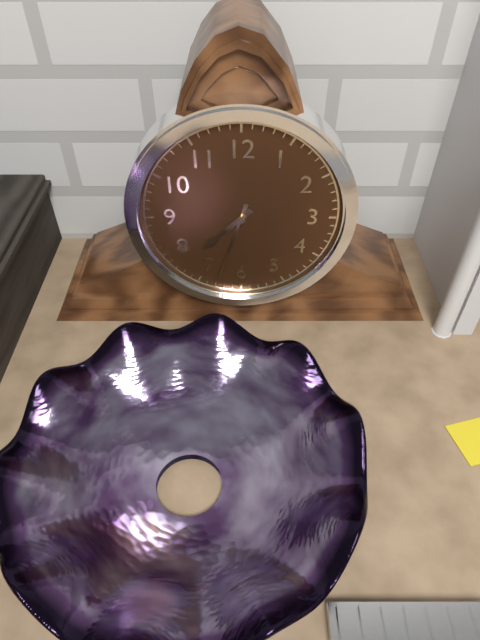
7:33
